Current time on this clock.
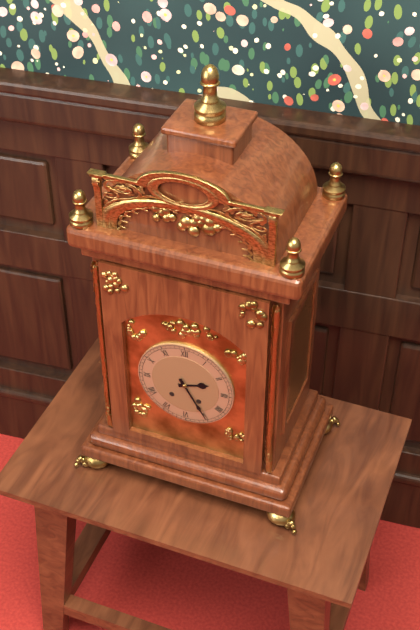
2:25
